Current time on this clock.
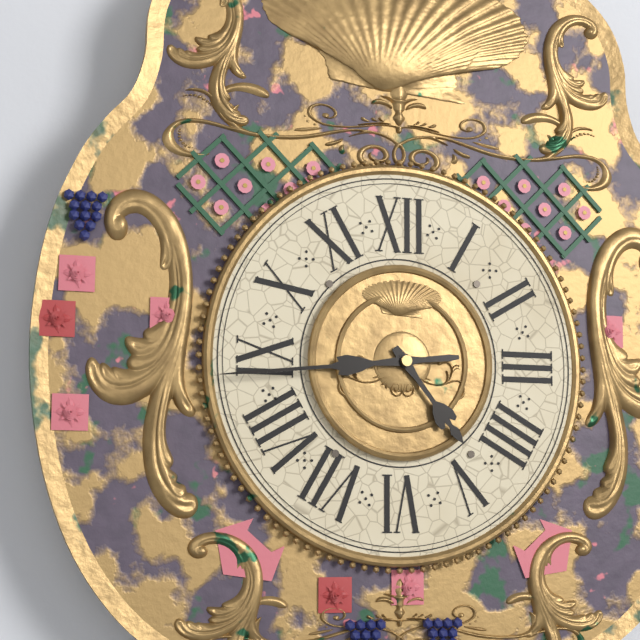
4:44
